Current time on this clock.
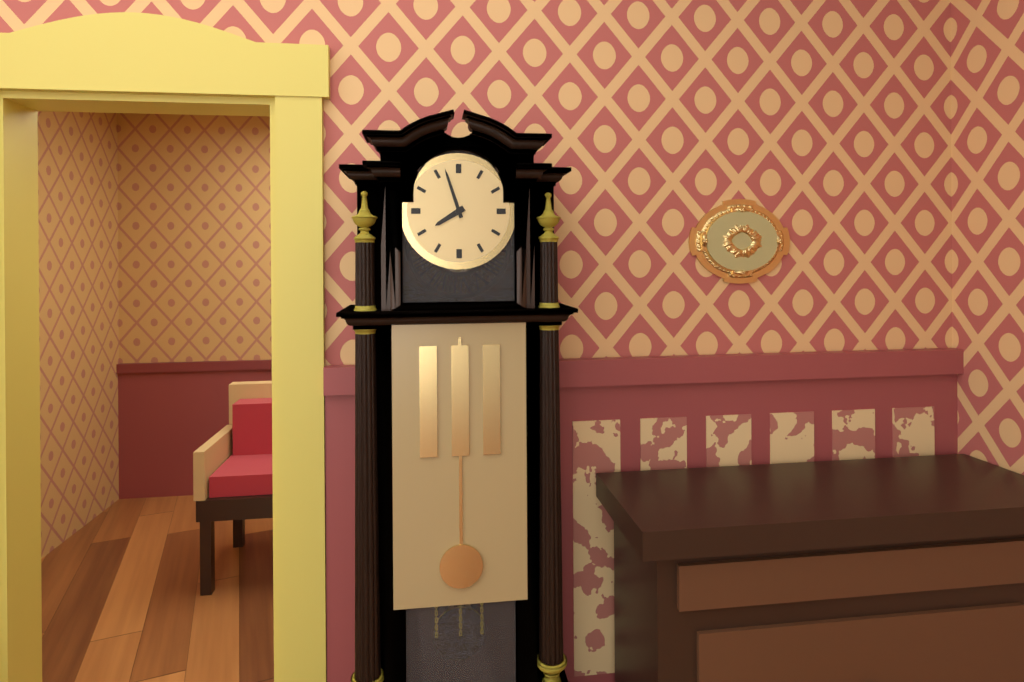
7:57
